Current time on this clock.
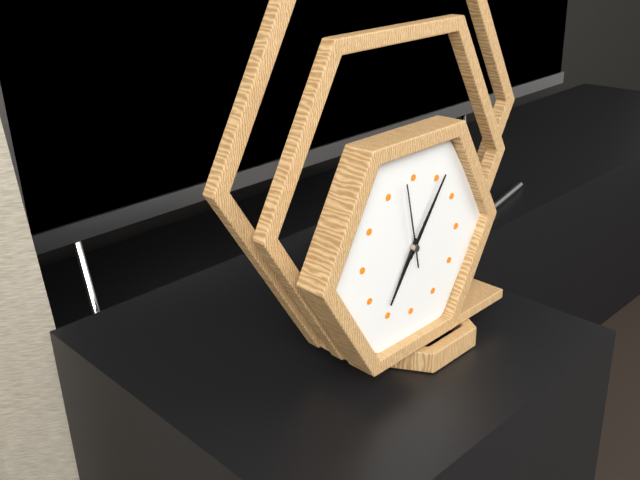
7:06:58
